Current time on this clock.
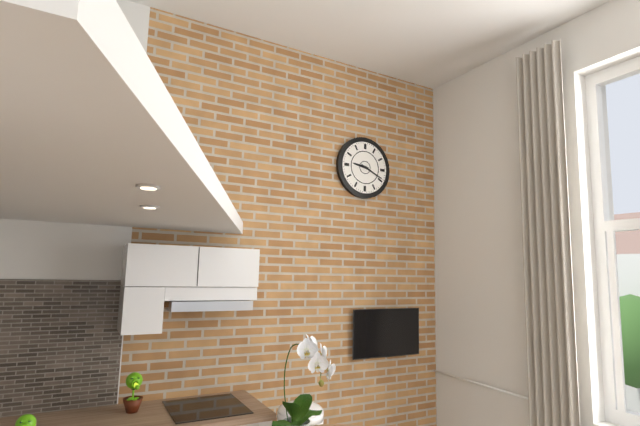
9:19
